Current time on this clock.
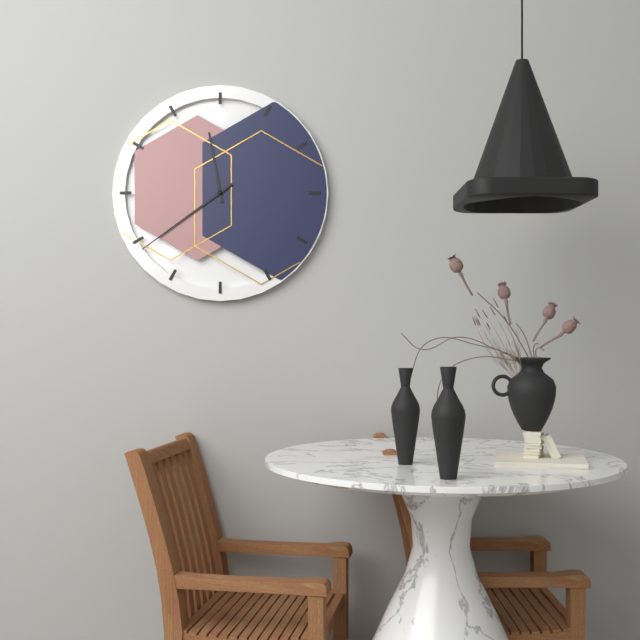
11:39
